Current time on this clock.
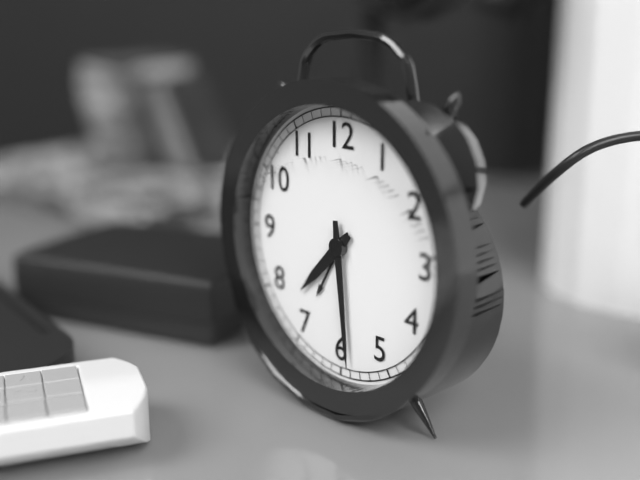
7:29
